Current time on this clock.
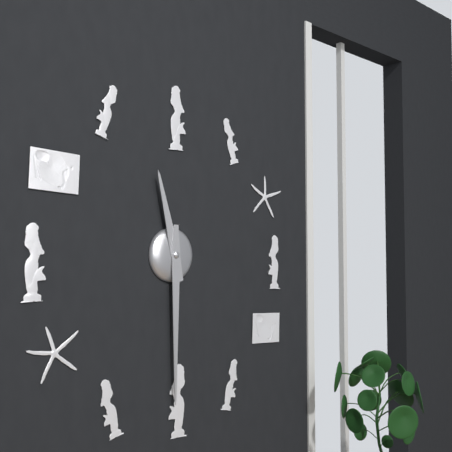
11:30
